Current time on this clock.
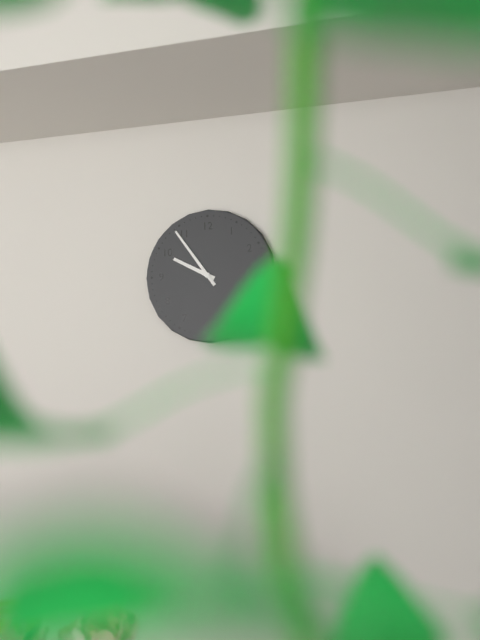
9:54
